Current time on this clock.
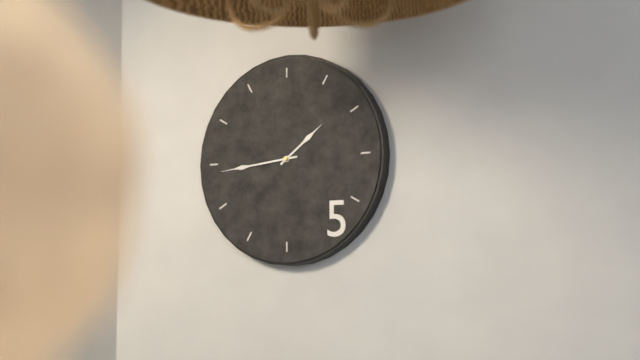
1:44
